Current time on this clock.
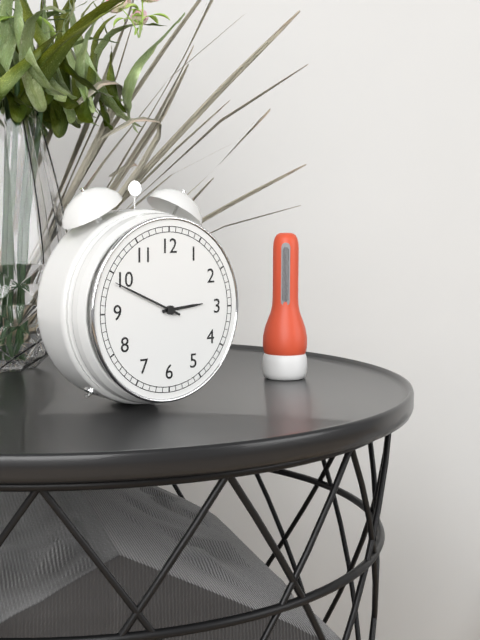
2:49
